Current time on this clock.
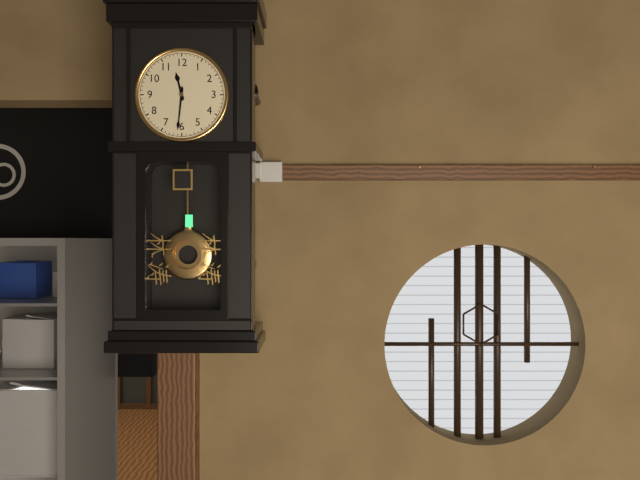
11:31
